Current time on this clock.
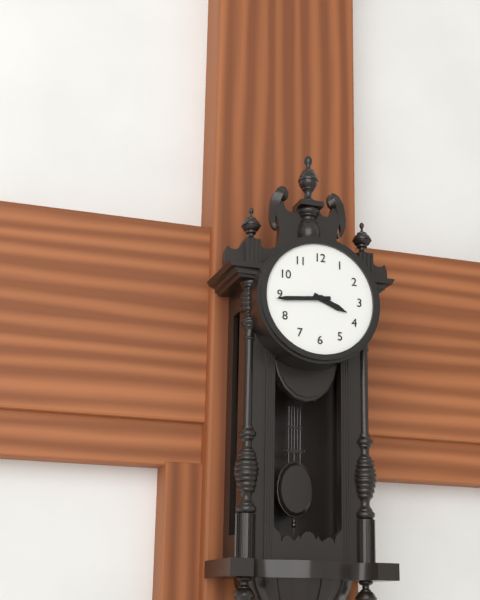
3:44
